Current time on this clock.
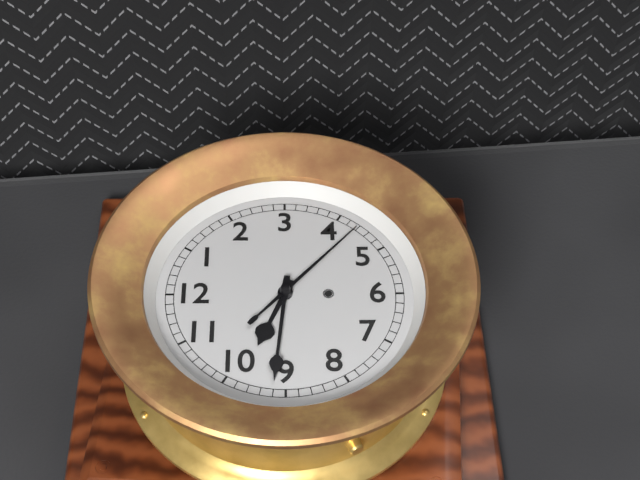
9:46:22
